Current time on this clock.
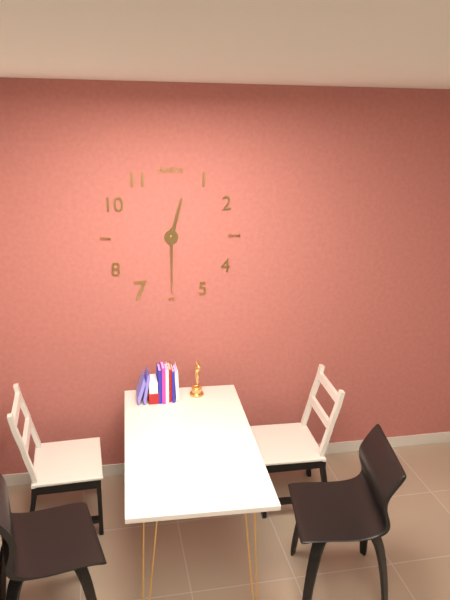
12:30
